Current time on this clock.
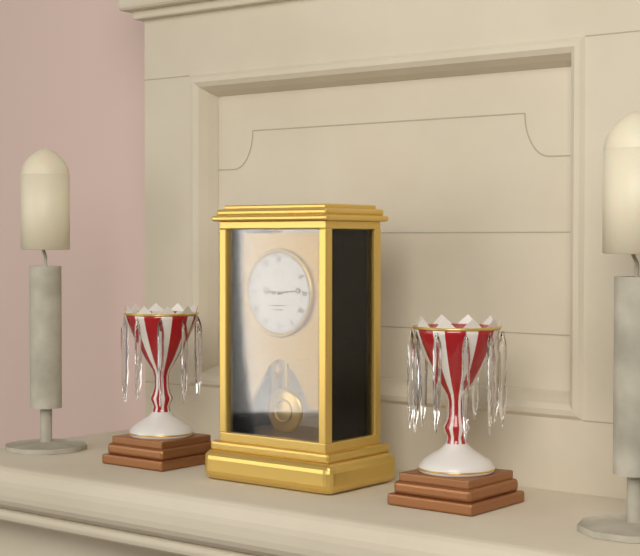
9:14
